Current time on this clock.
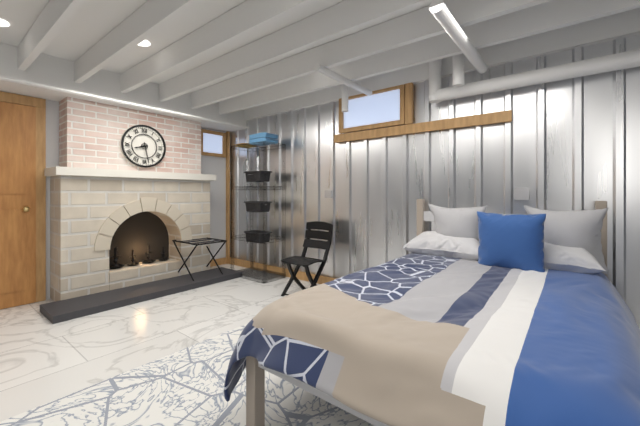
8:28
